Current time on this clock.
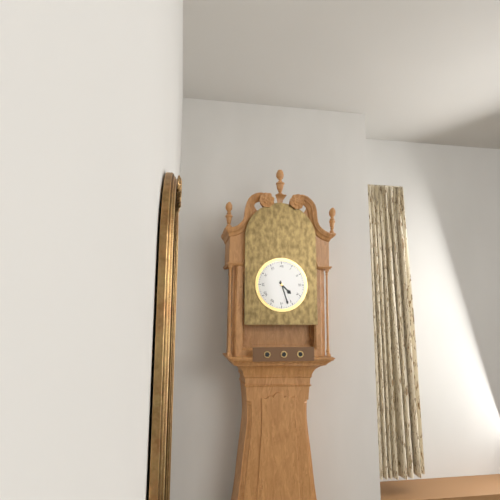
4:27
